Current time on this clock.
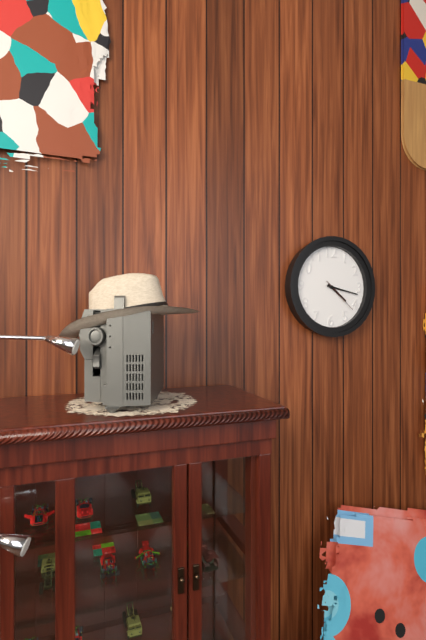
4:17
